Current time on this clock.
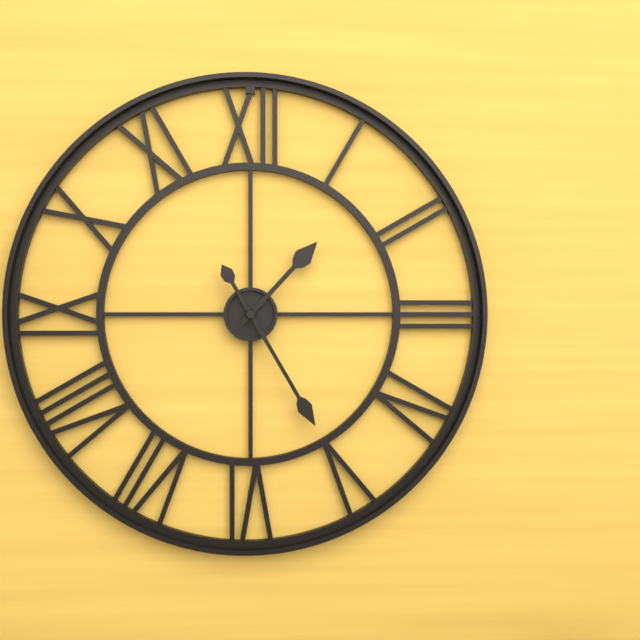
1:25
